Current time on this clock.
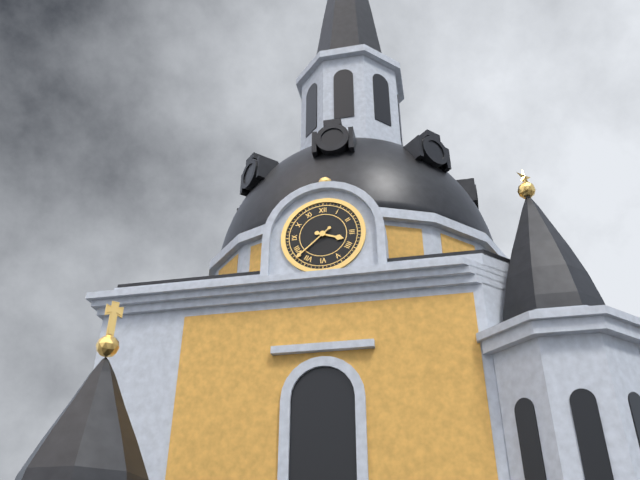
3:38
